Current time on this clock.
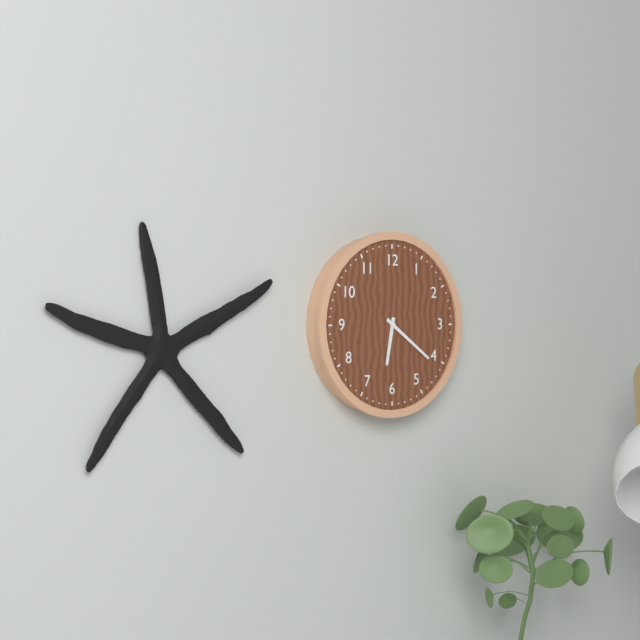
6:21
